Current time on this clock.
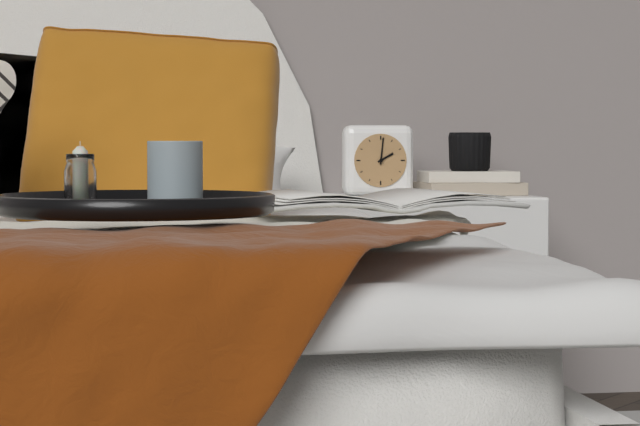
2:01
